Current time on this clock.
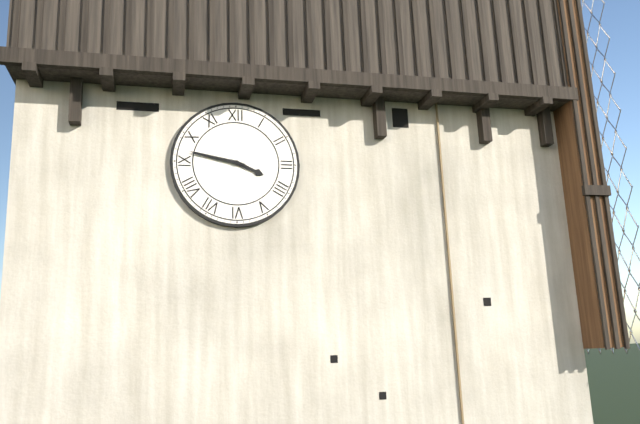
3:47
